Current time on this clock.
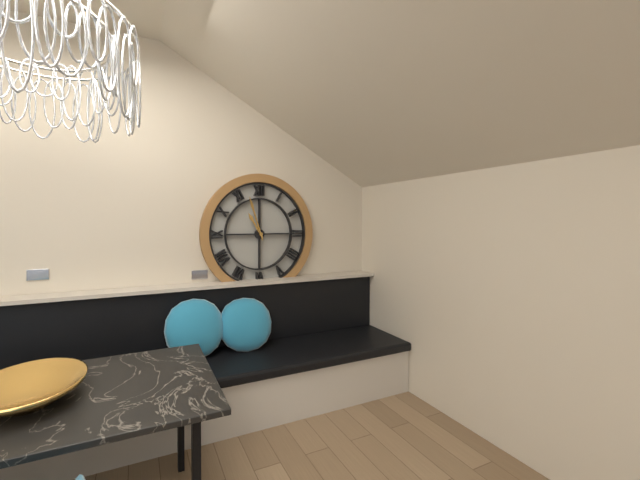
10:57
